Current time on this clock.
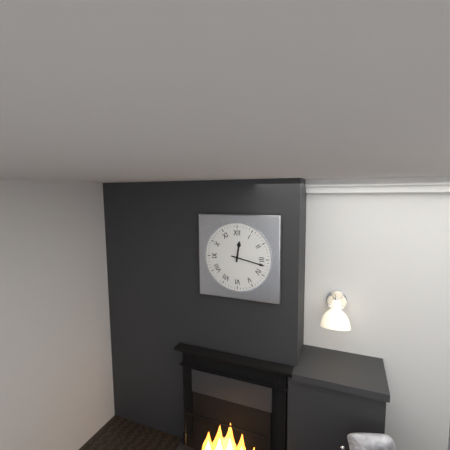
12:17
